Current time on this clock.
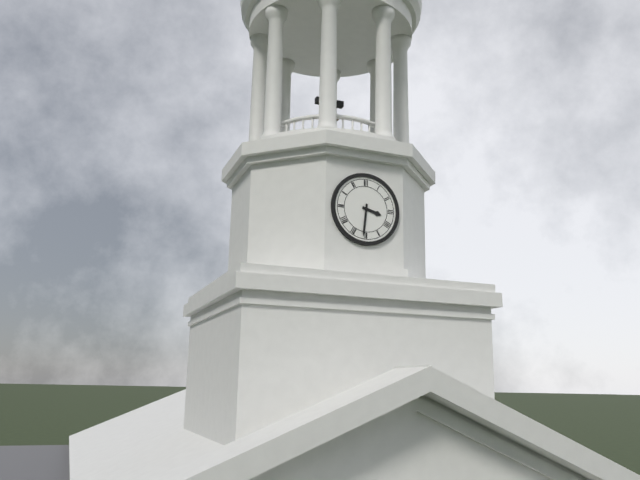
3:31
